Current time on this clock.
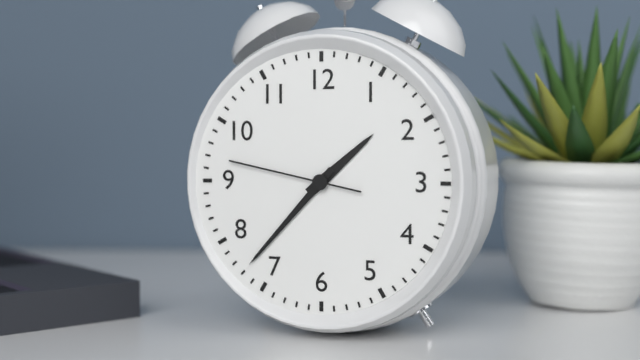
1:37:47
